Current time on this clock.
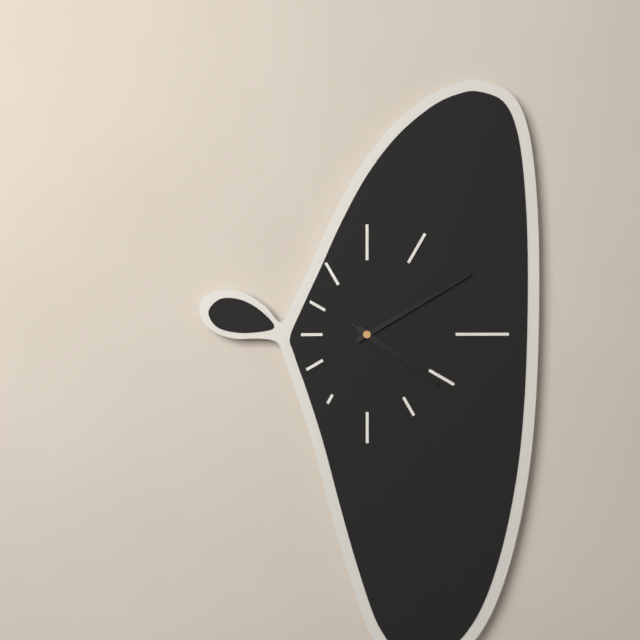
4:10:21
